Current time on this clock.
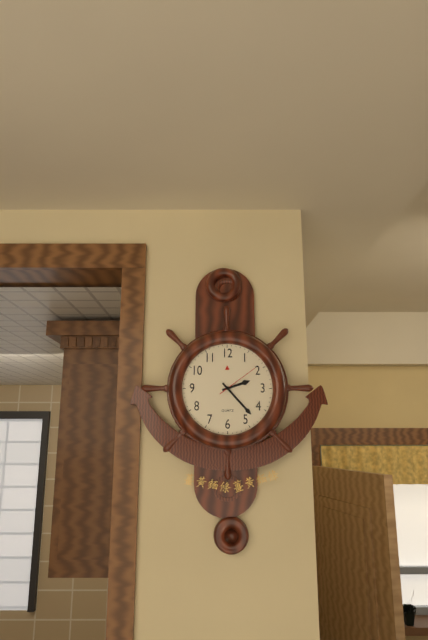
2:23
